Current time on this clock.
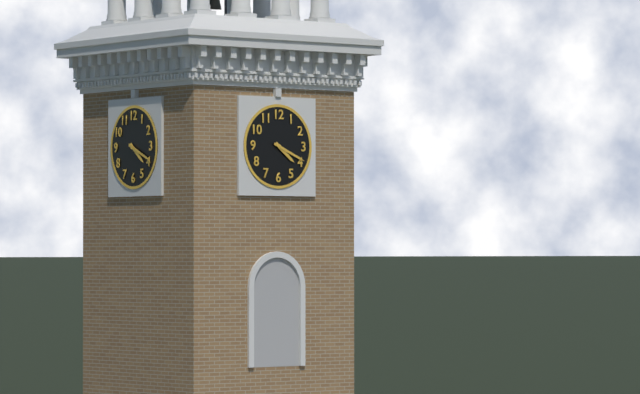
4:19
